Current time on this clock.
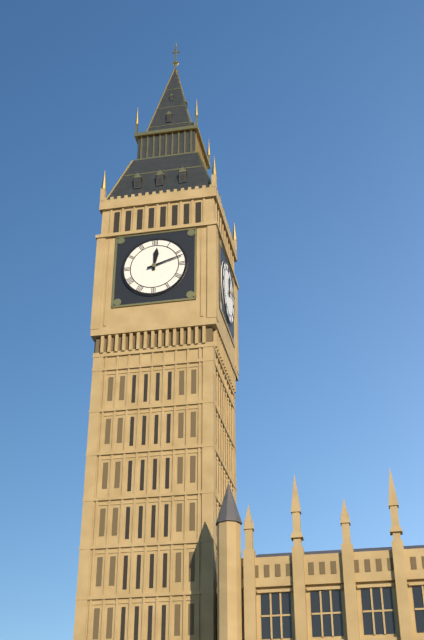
12:12
